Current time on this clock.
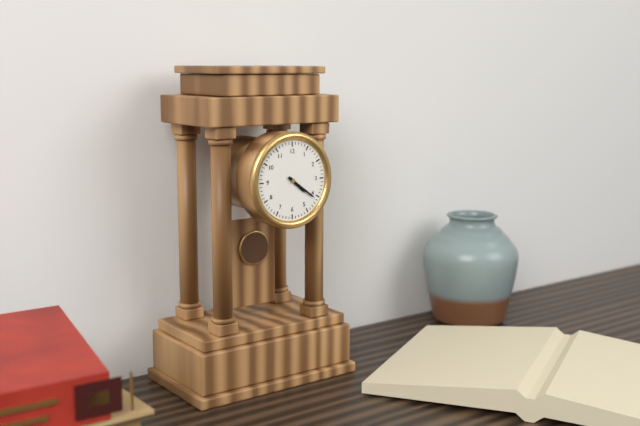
4:21
